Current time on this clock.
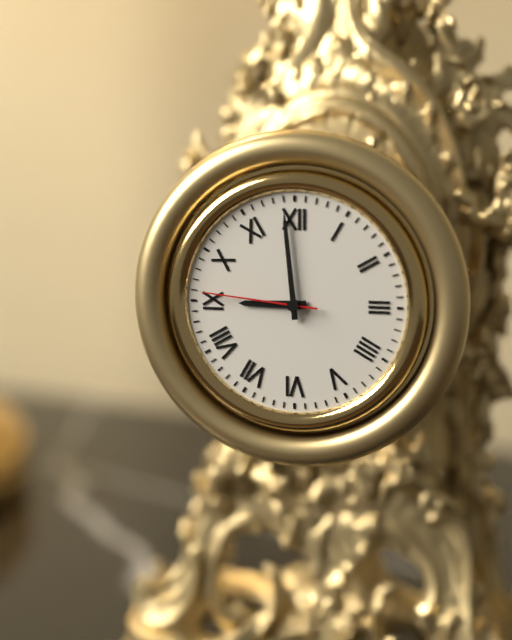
8:59:46
